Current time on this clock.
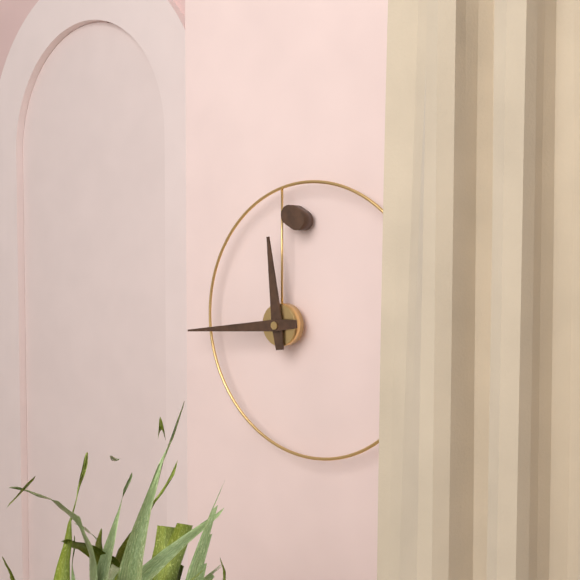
11:44
